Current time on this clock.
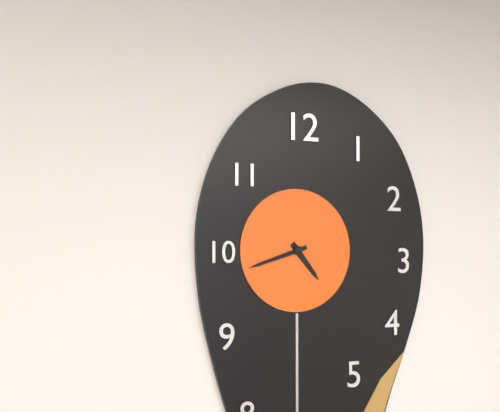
4:42
